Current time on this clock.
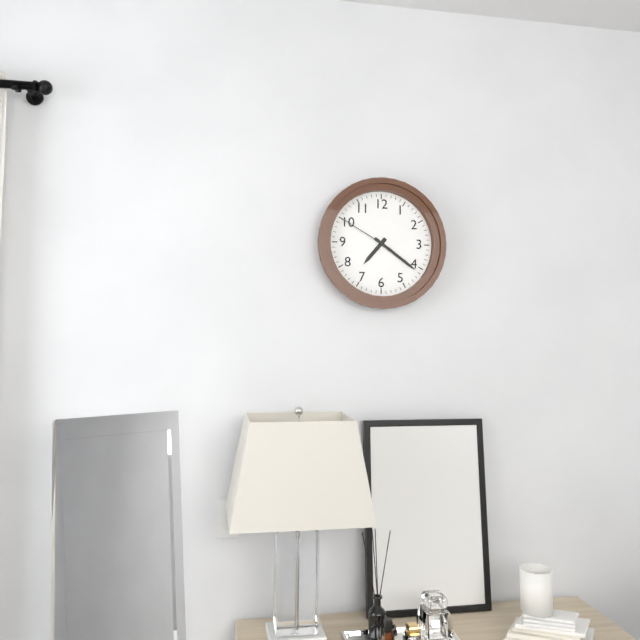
7:21:50
